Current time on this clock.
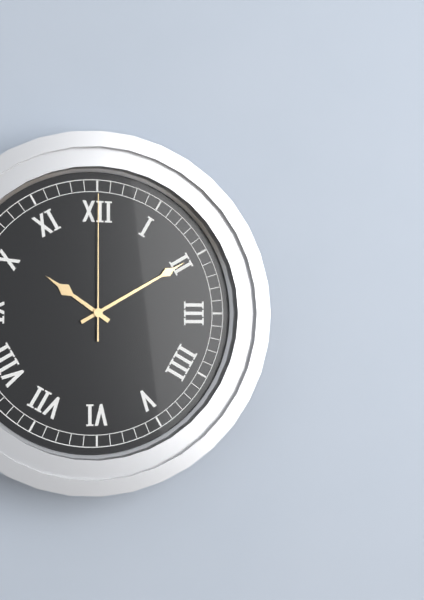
10:10:00
